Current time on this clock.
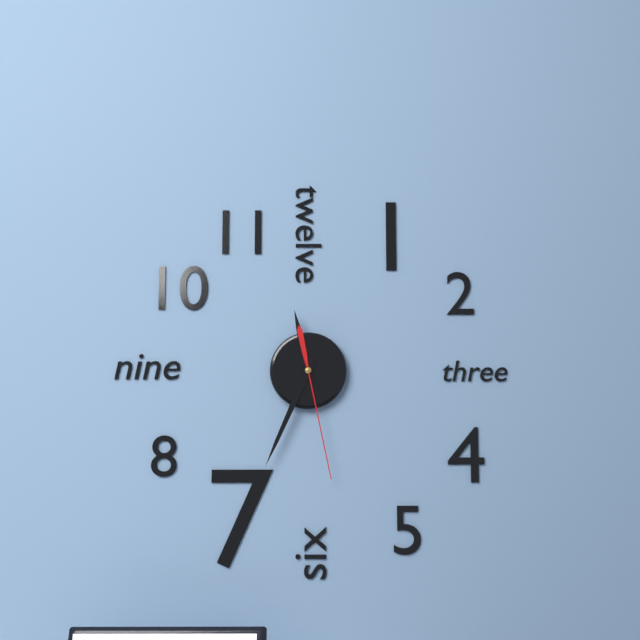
11:34:28
